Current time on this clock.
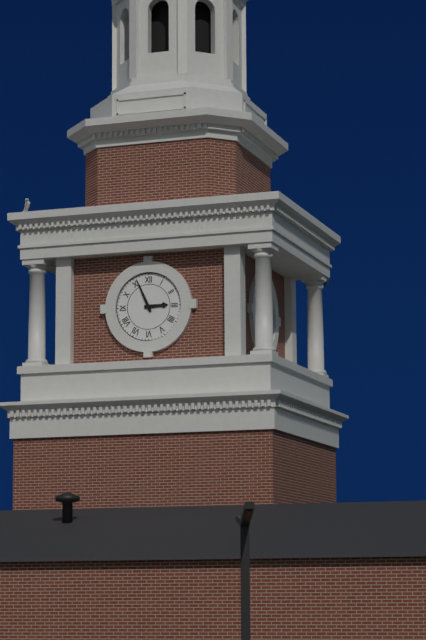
2:56
